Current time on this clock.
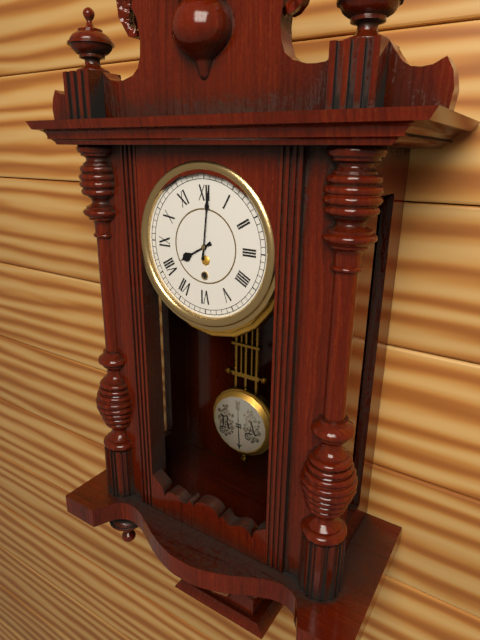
8:01
